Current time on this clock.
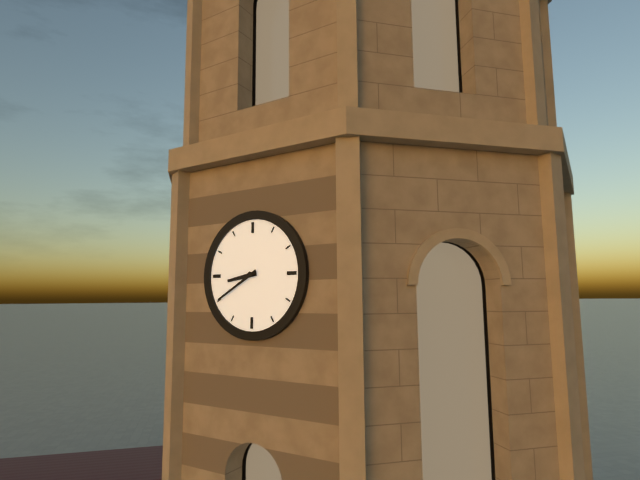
8:40
